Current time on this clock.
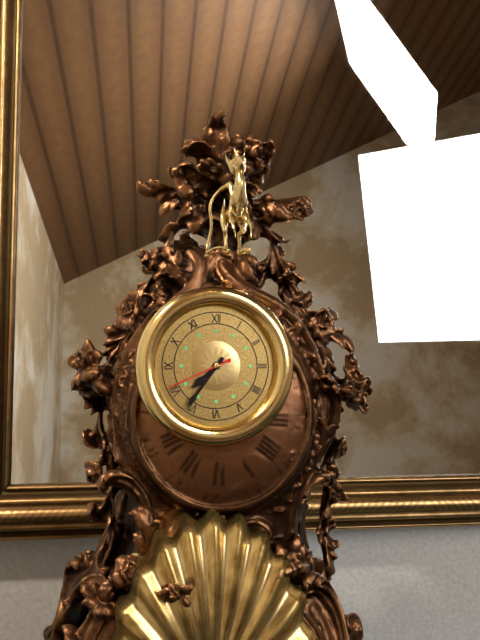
7:36:41
